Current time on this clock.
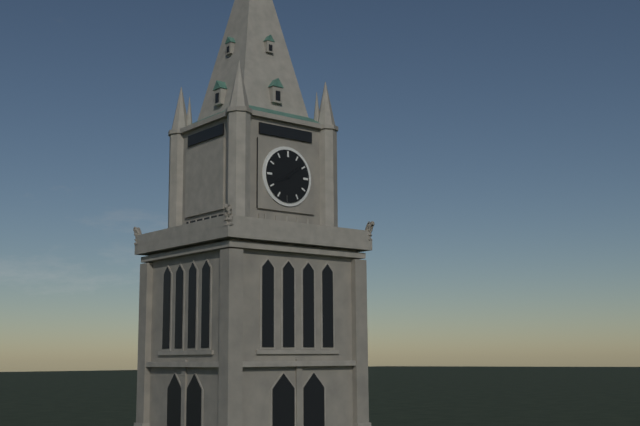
8:09
